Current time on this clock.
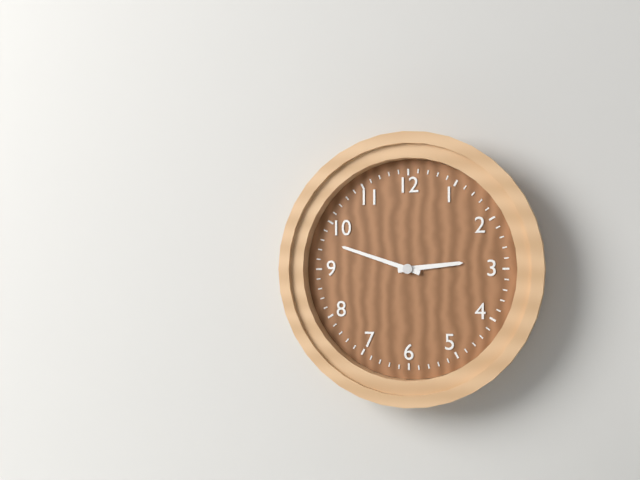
2:48
